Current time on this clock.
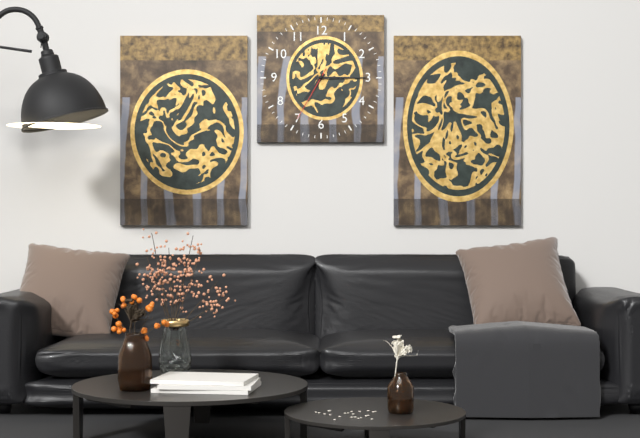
7:15:35
